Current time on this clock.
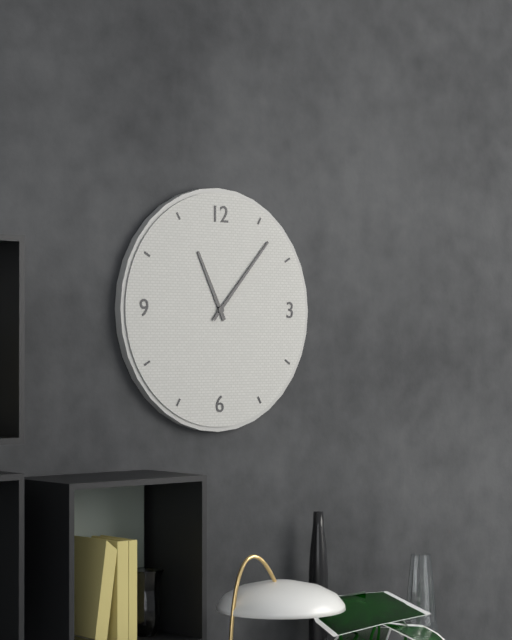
11:07
